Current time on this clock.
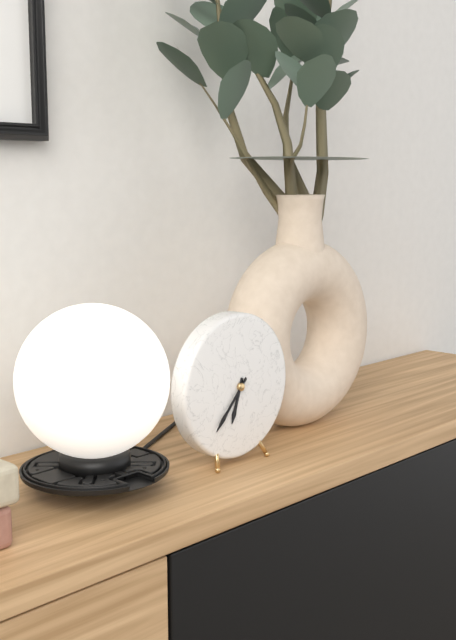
6:37
